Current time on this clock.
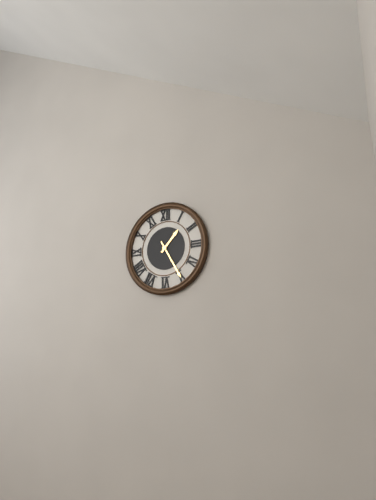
1:25
